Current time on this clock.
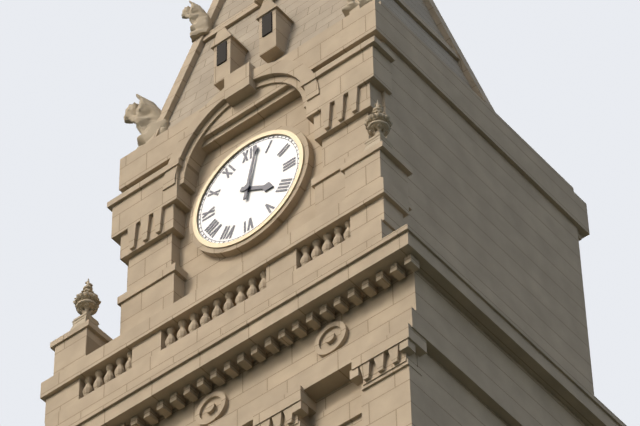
4:02
